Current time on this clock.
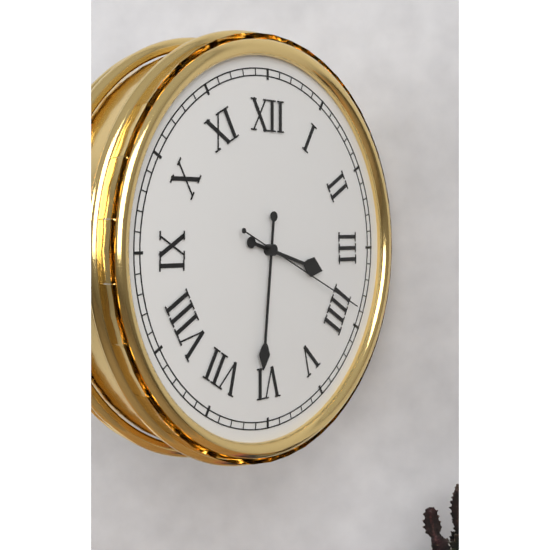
3:31:19
